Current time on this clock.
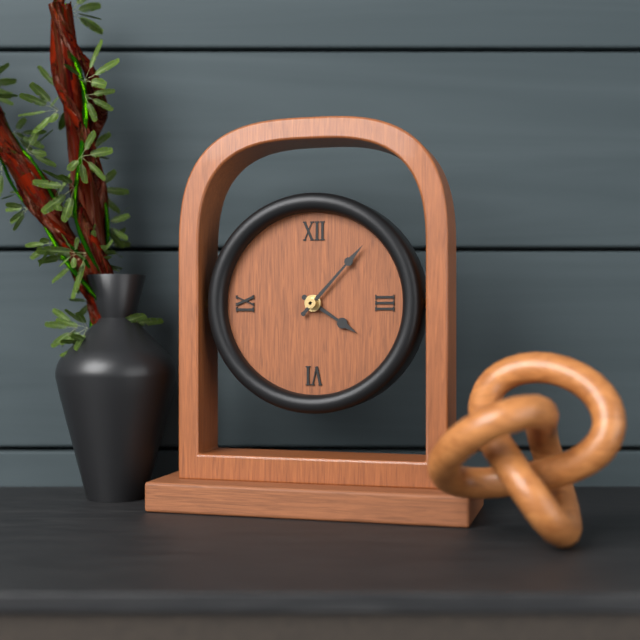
4:07
